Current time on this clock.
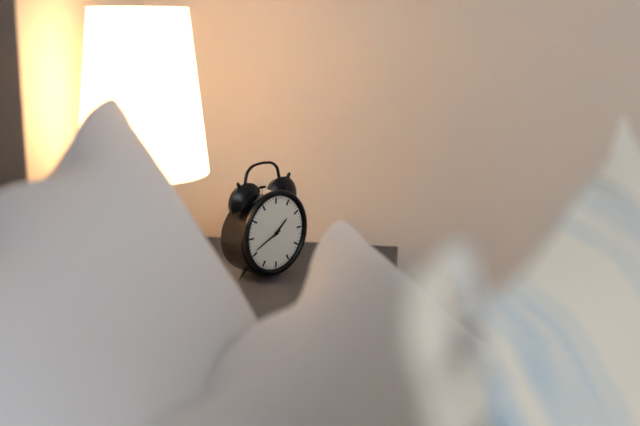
1:41
